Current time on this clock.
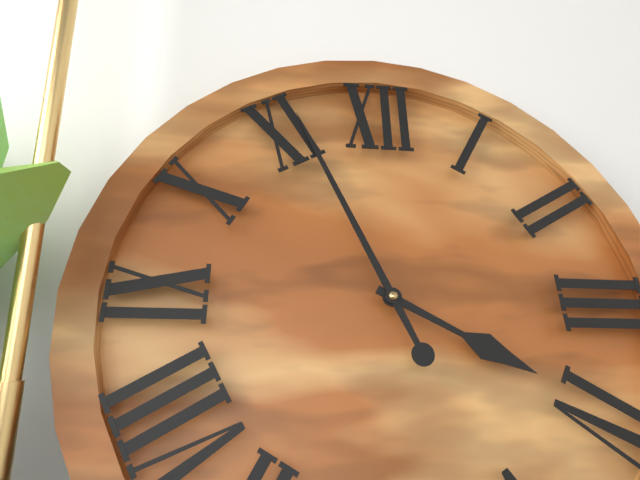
3:56
